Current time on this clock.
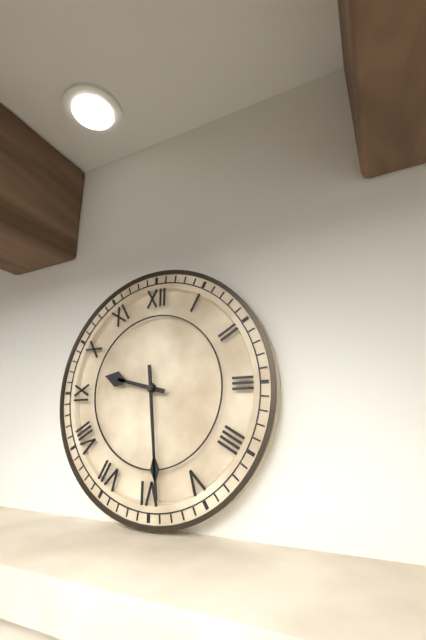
9:29
